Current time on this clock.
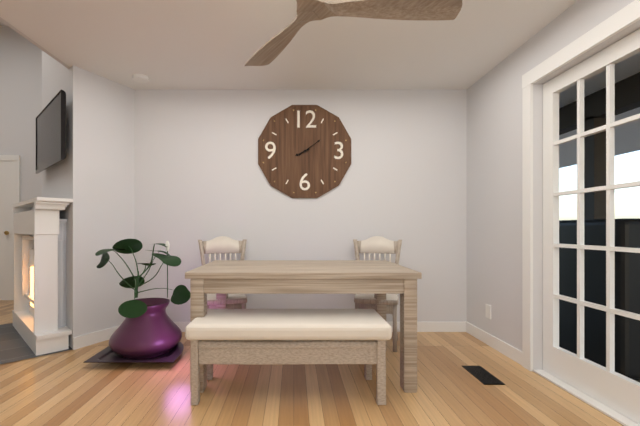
8:09
